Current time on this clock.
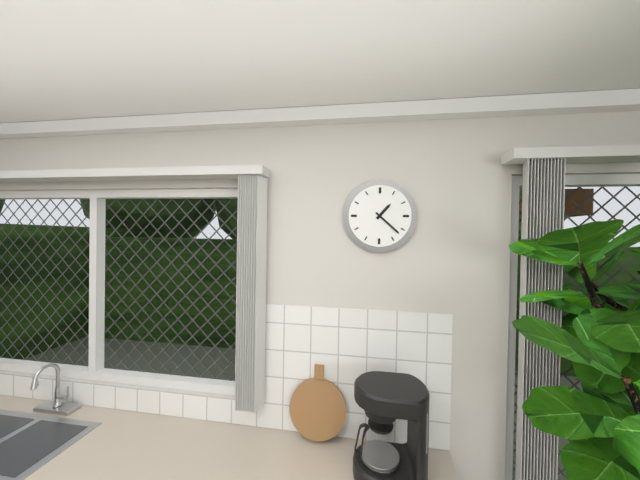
1:22
